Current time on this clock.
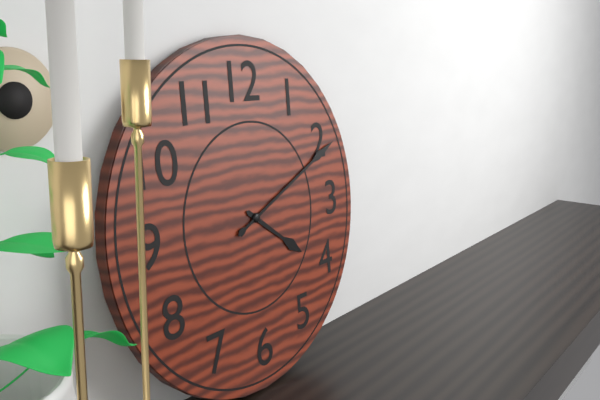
4:11
